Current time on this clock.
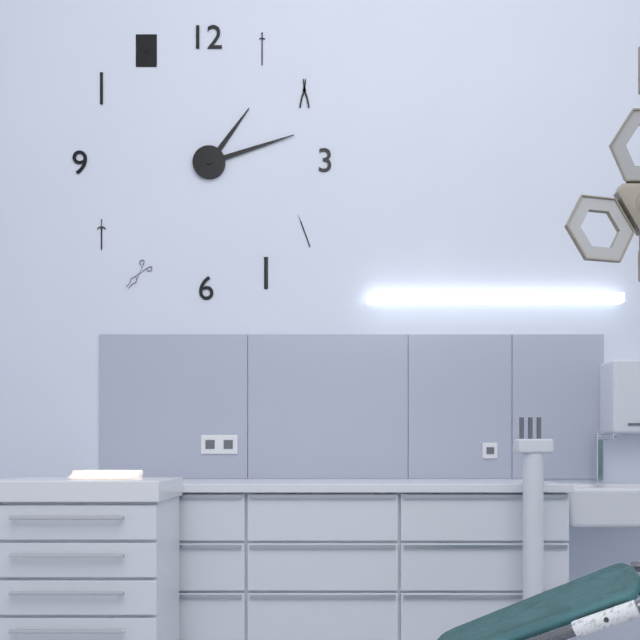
1:12
